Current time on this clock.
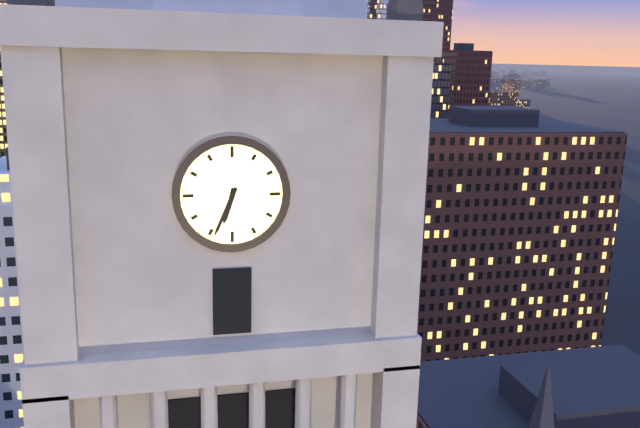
6:34
